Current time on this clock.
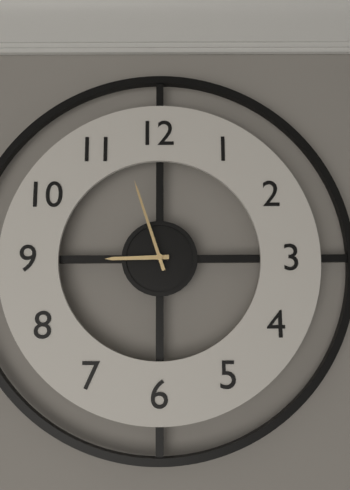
8:57
